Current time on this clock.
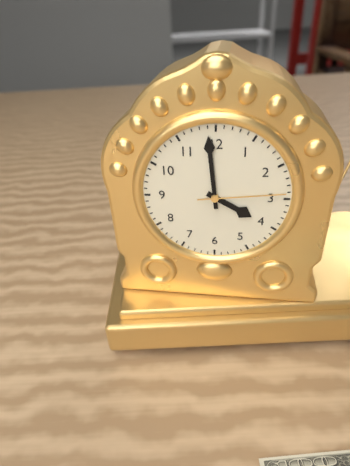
3:59:14
